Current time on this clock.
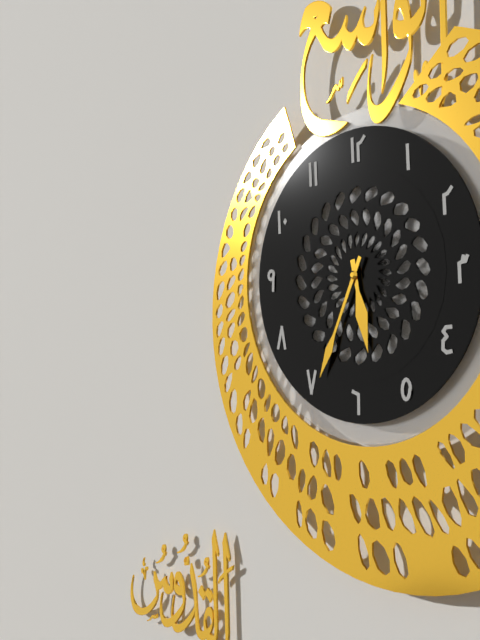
5:34
